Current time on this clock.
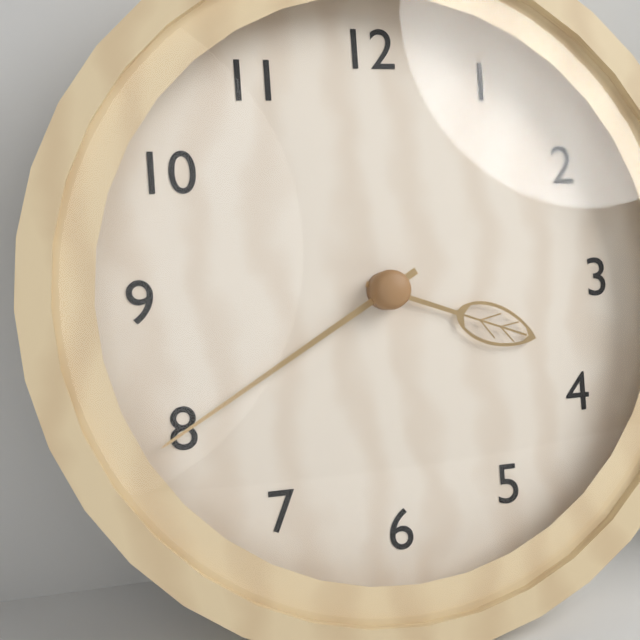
3:40
